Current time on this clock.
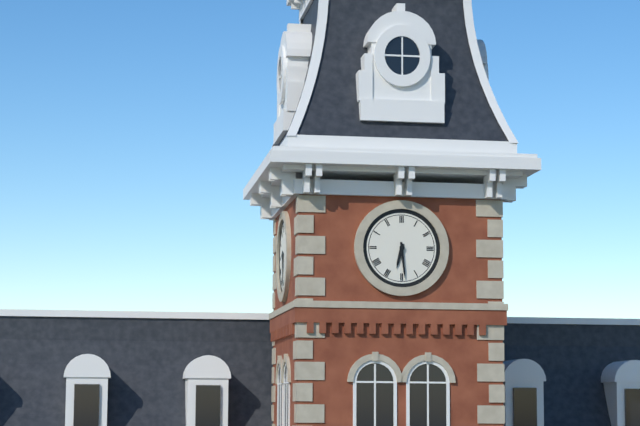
6:29
